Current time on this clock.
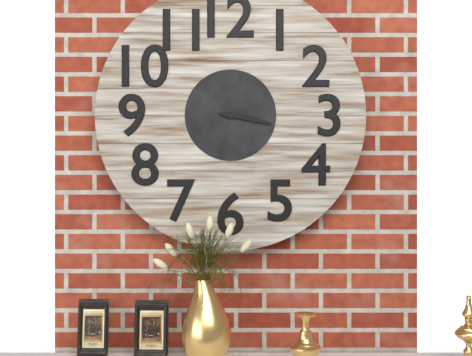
3:17
